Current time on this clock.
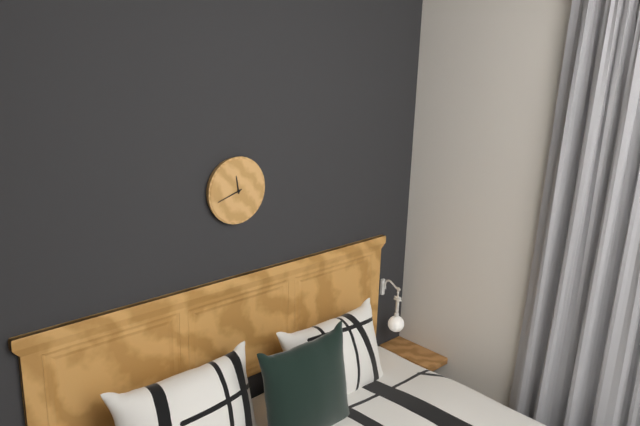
11:42
